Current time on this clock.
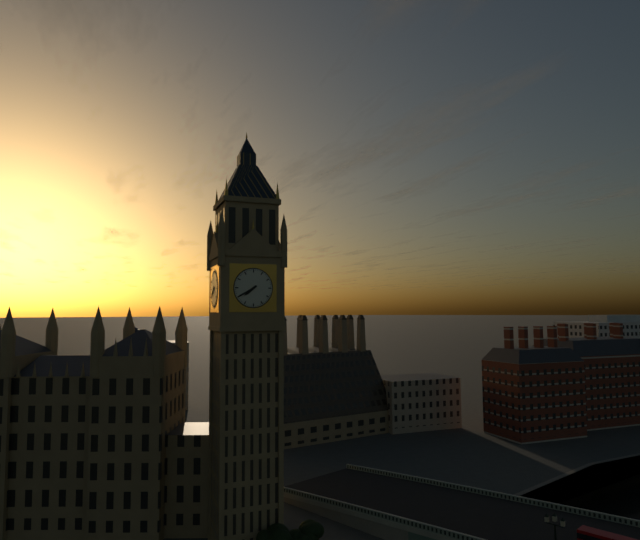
7:40
